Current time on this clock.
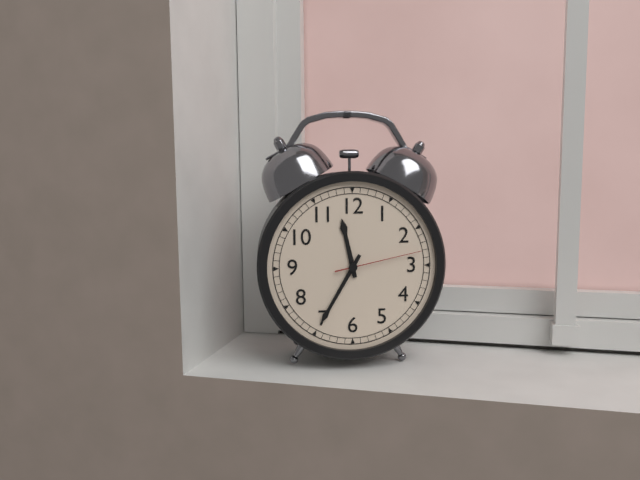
11:35:13
